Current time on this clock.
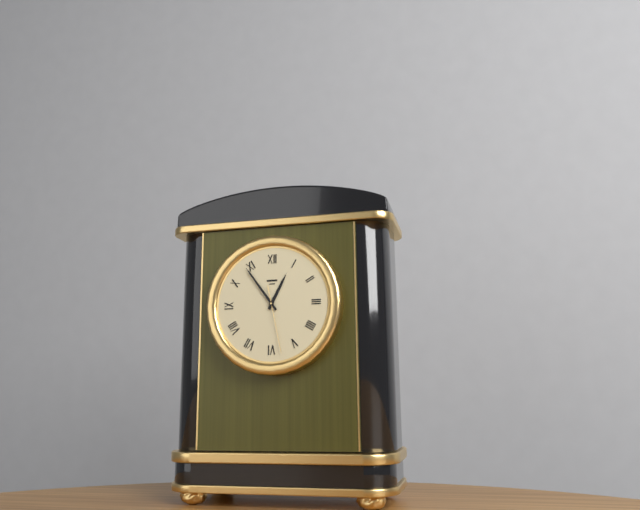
12:54:28
